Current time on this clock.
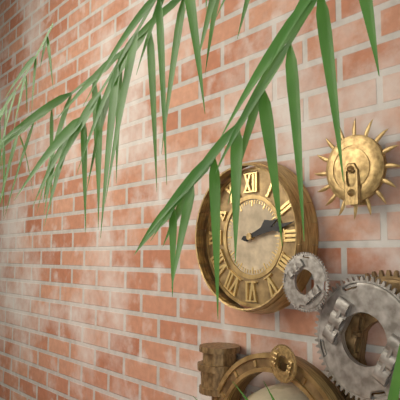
2:13
